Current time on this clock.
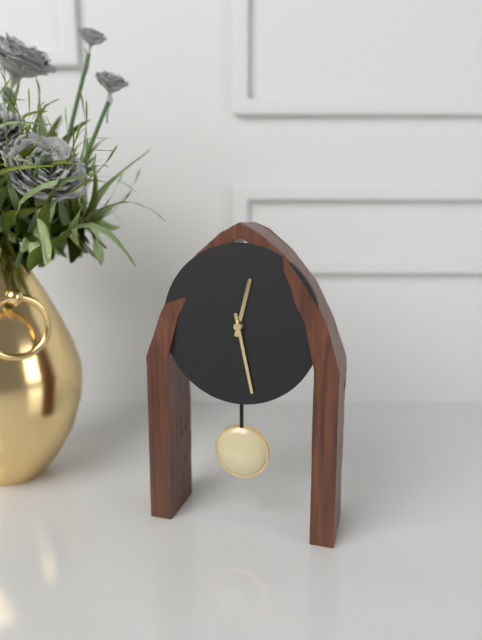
12:28
